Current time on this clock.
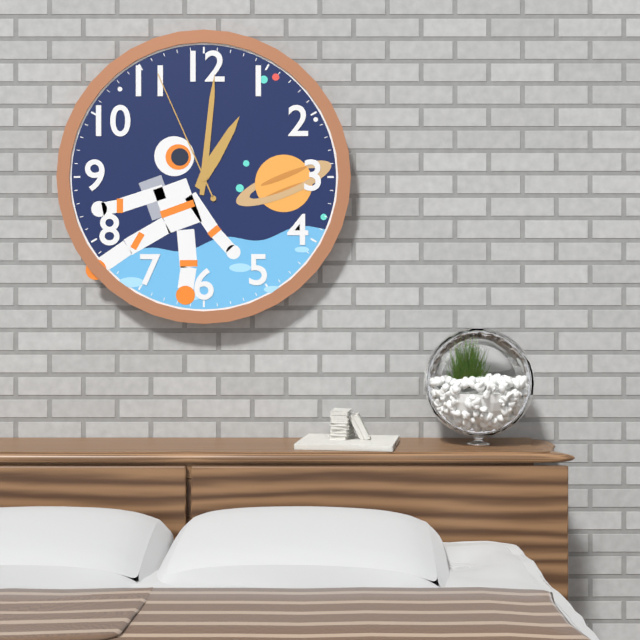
1:01:56
